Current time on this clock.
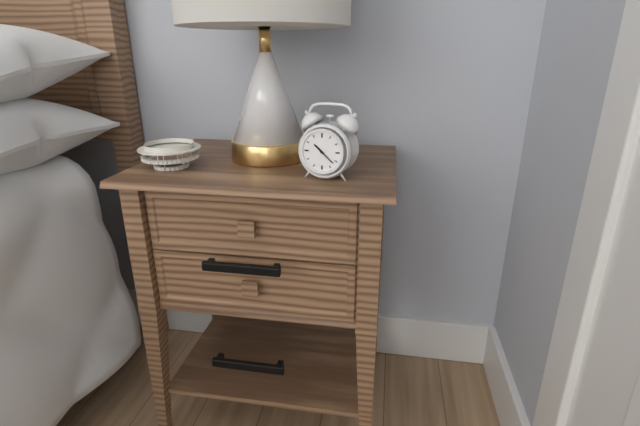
10:22
